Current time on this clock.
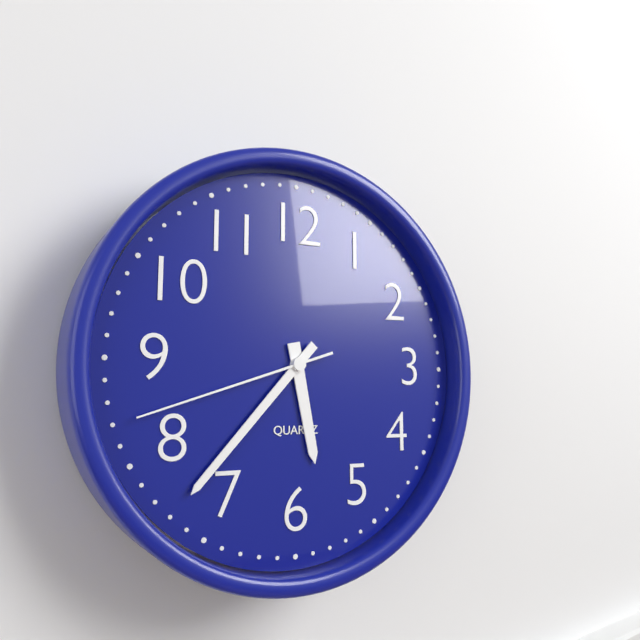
5:37:42
